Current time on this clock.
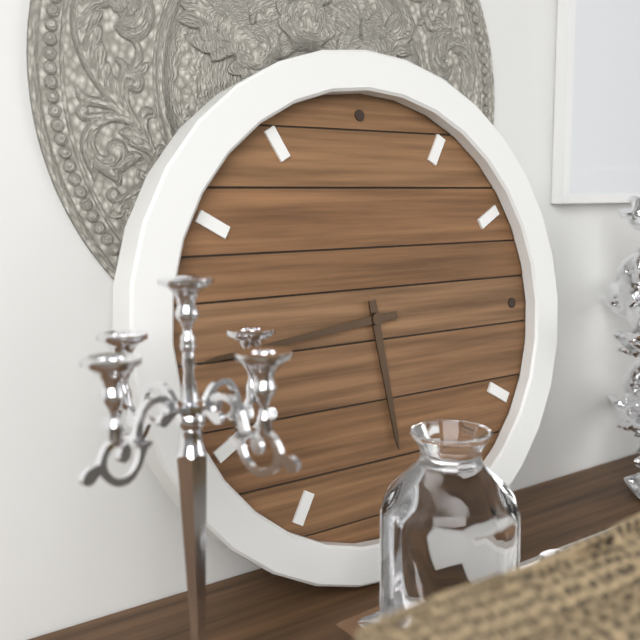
5:44
